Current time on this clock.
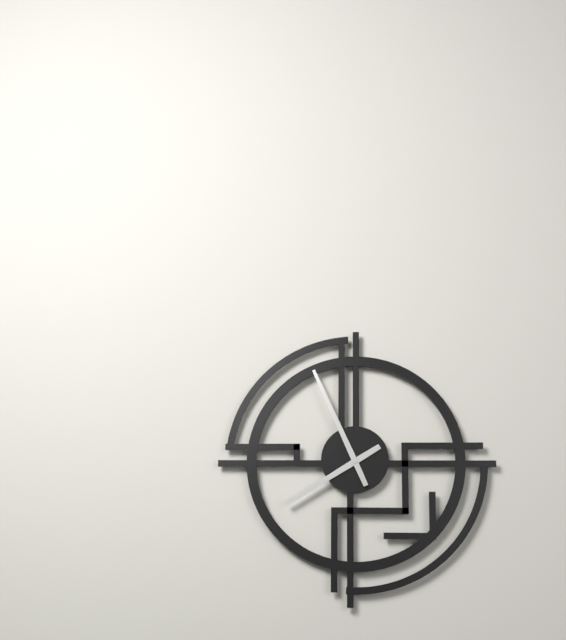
7:56
